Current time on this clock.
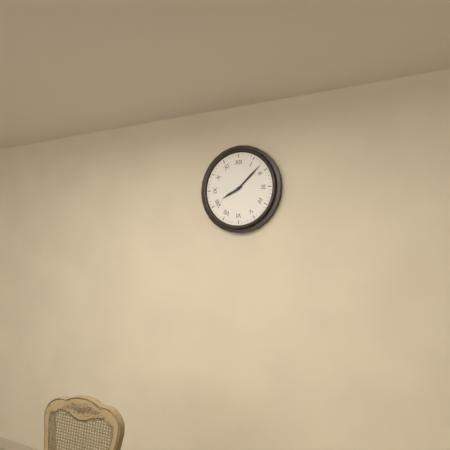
8:08
